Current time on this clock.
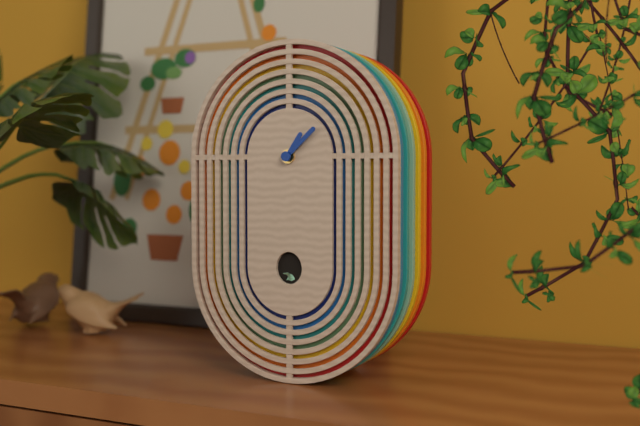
1:08
